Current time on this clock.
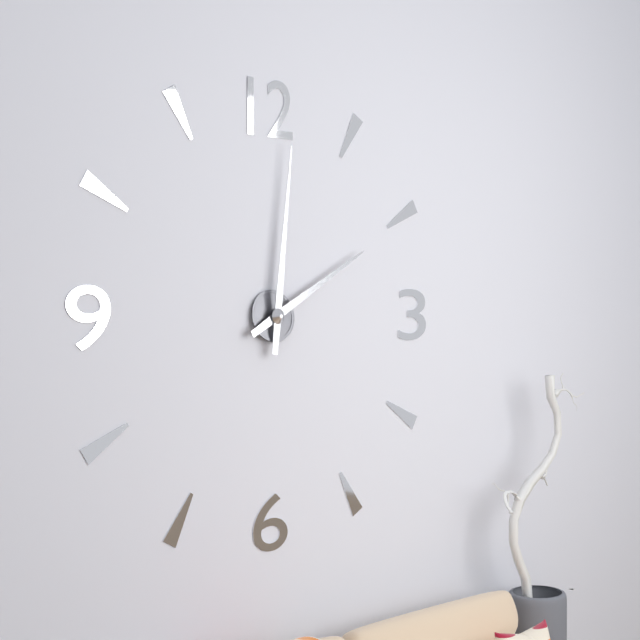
2:01
